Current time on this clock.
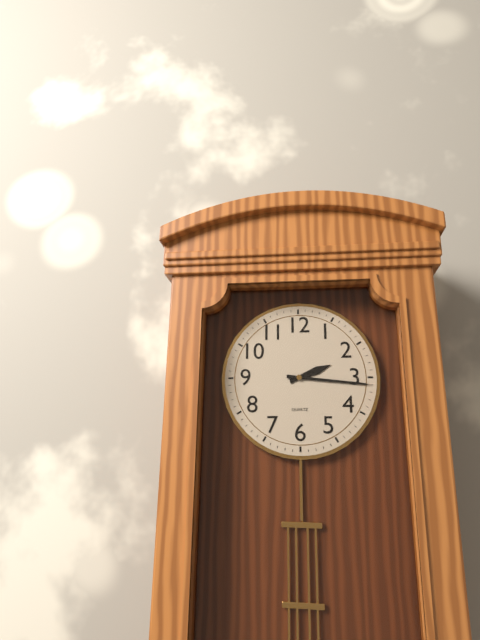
2:16
